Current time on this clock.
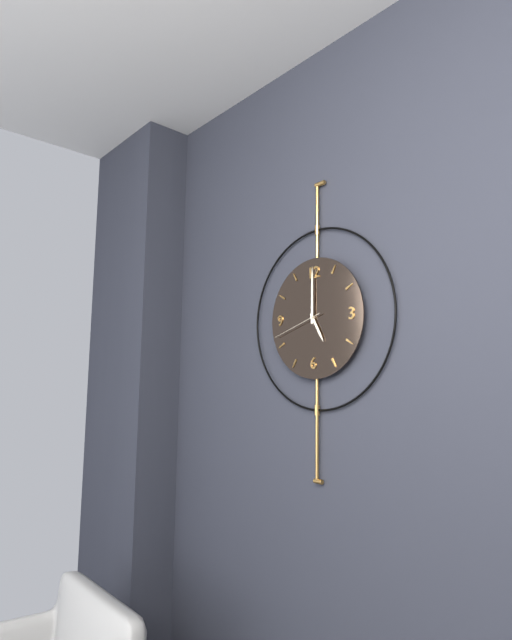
5:00:42
